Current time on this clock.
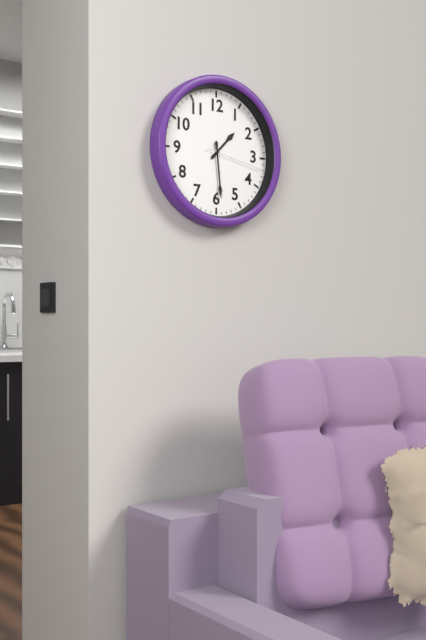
1:29:17
